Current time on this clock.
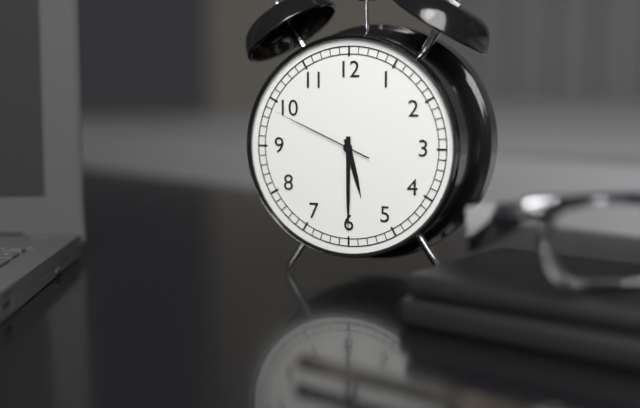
5:30:49
